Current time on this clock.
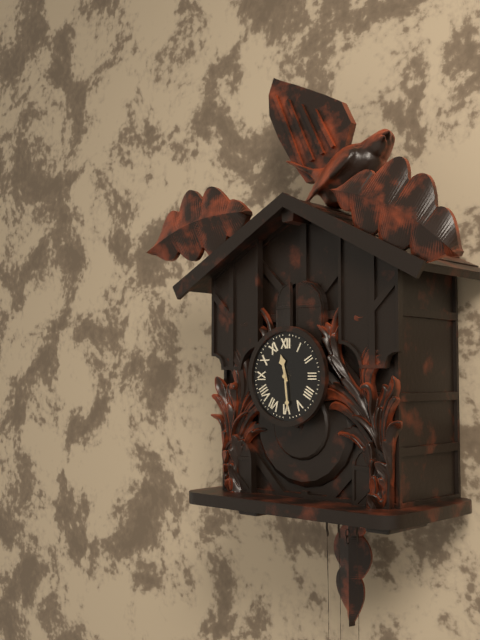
11:29
